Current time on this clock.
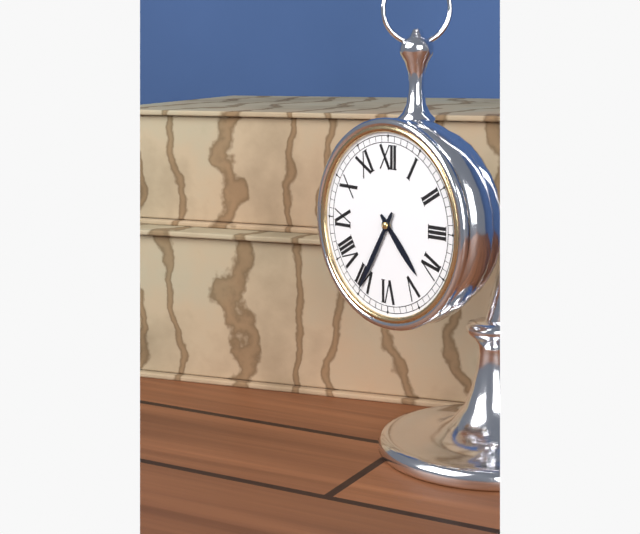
4:35
